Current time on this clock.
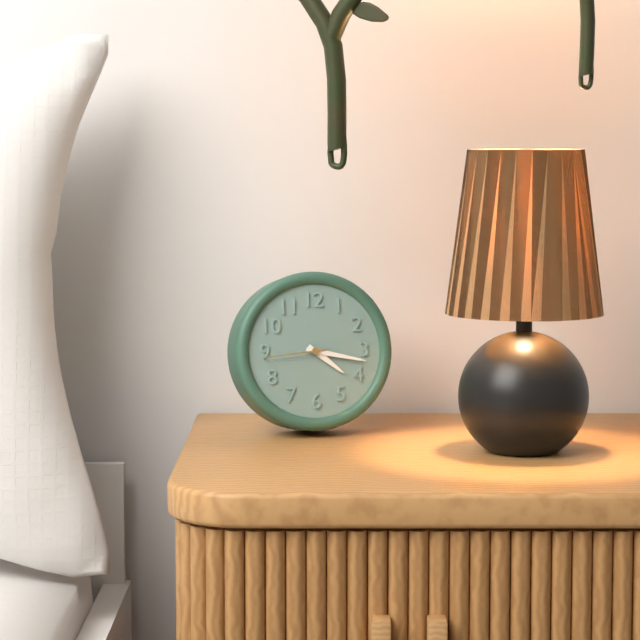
4:17:44
